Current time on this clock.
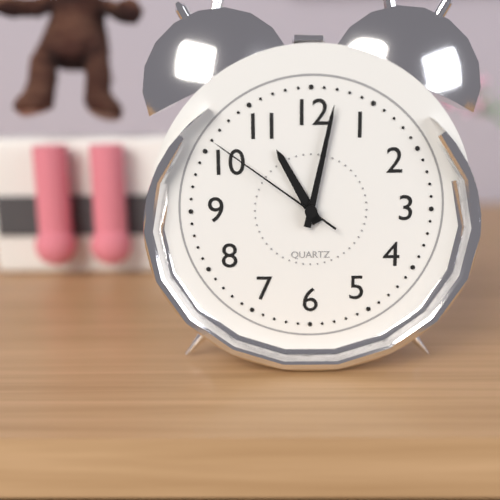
11:02:51
